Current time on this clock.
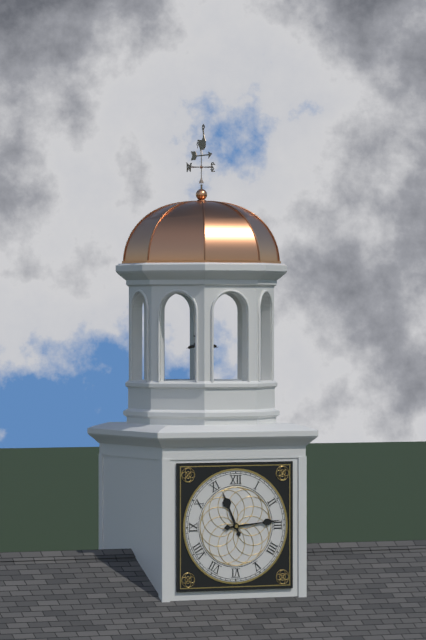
11:14
